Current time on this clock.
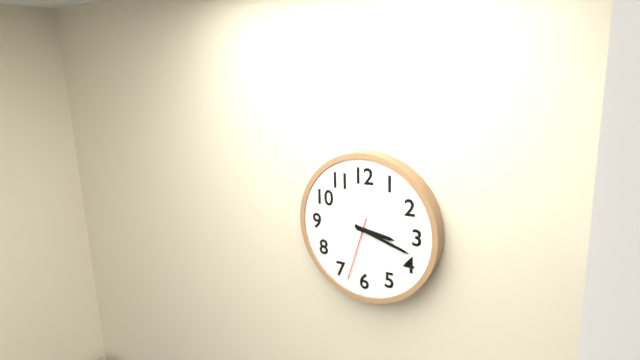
3:18:33
